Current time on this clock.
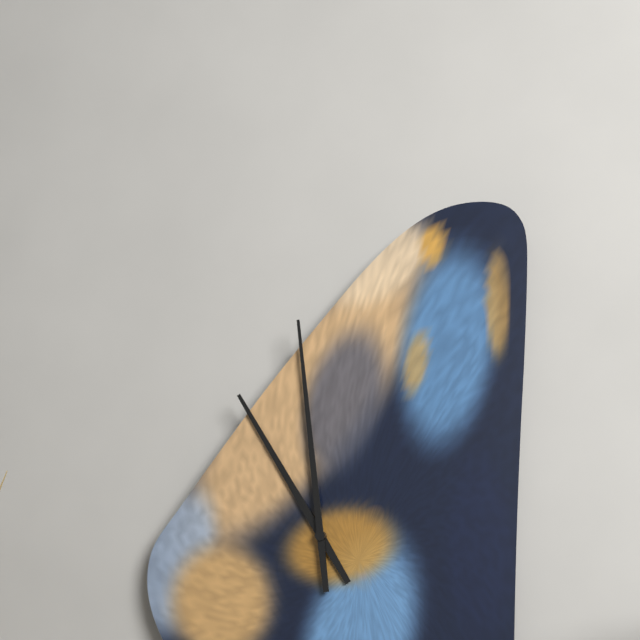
10:59
